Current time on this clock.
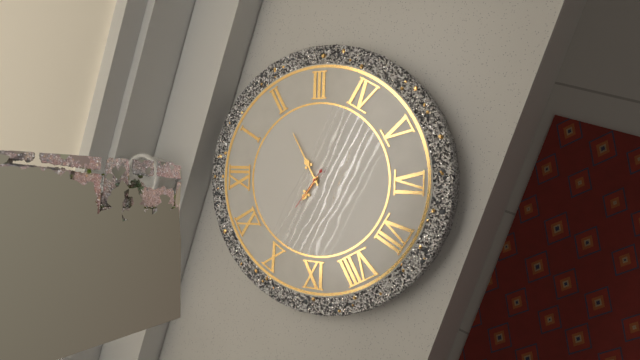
10:10
